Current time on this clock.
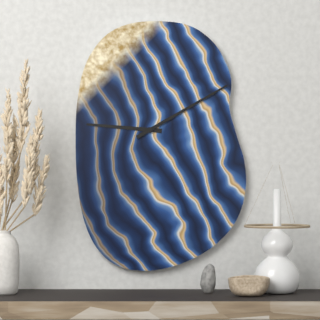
9:10
